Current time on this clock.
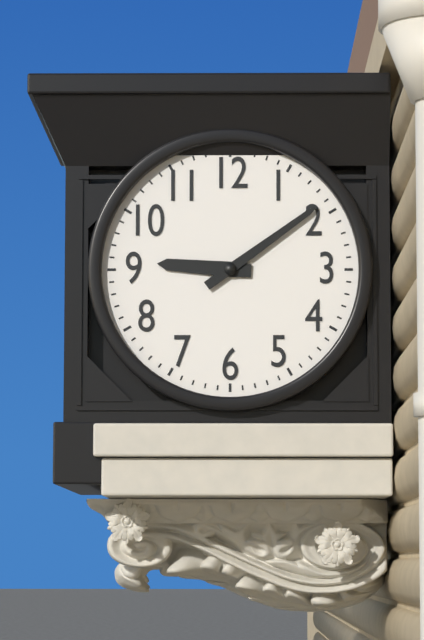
9:09
